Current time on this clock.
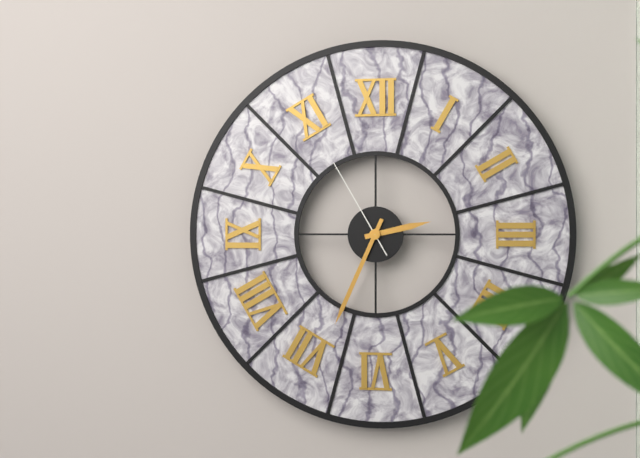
2:34:55
